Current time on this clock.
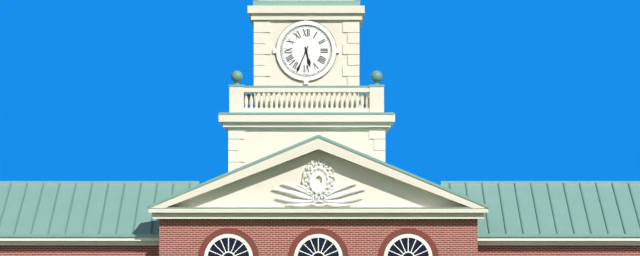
5:34
